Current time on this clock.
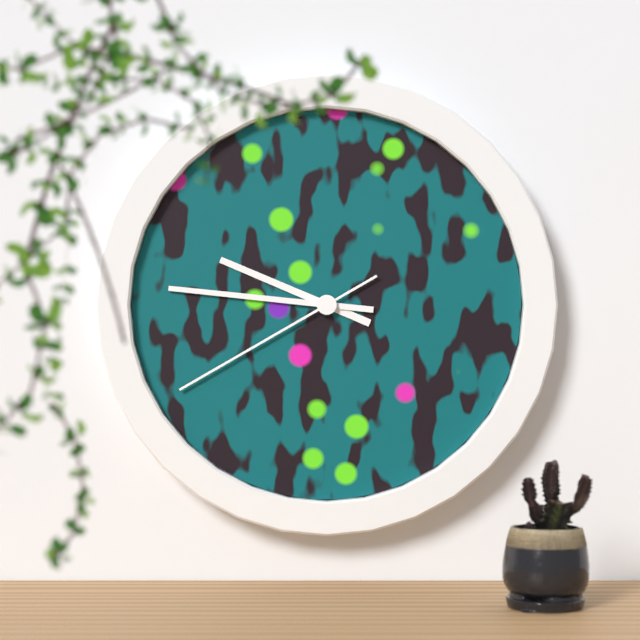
9:46:40
